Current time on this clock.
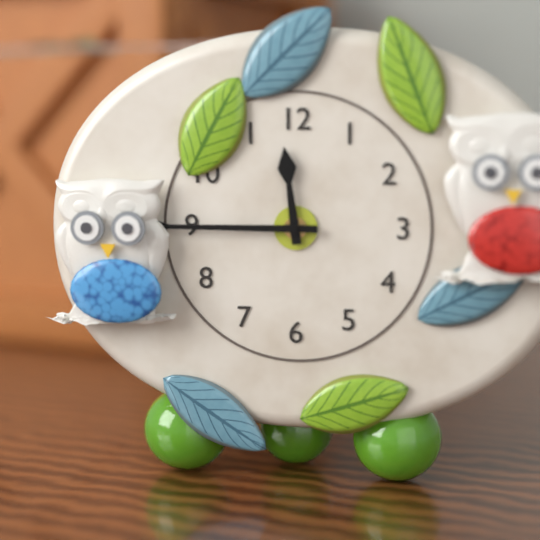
11:45
